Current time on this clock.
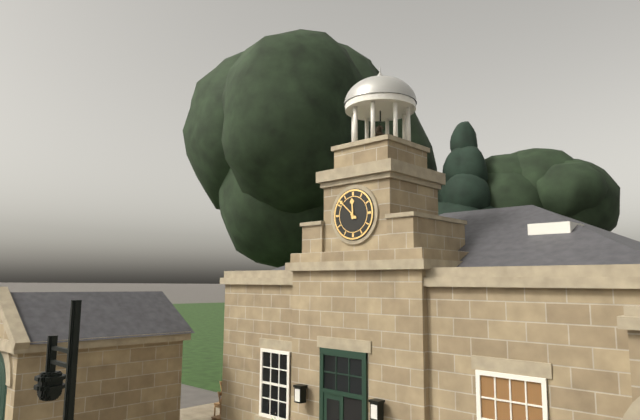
11:52
